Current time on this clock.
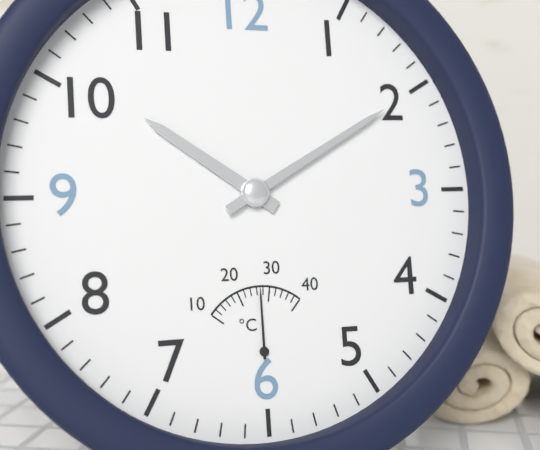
10:10
